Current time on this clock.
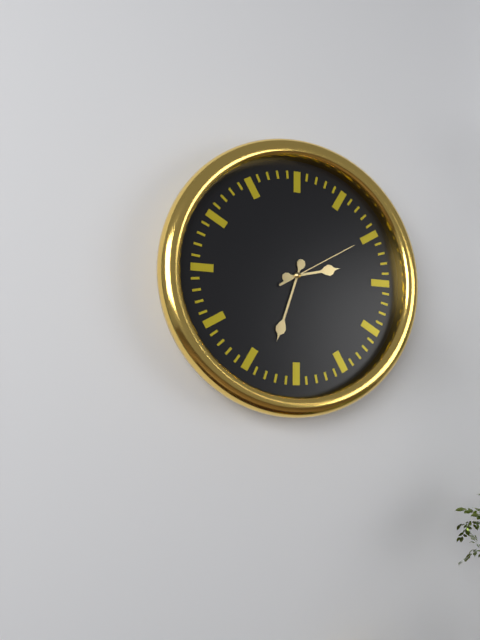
2:33:10
